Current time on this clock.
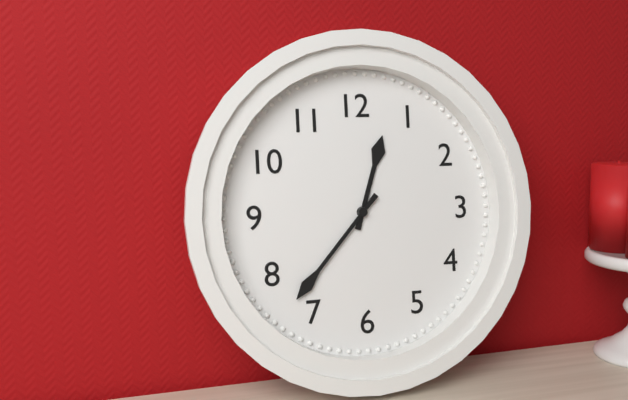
12:37
